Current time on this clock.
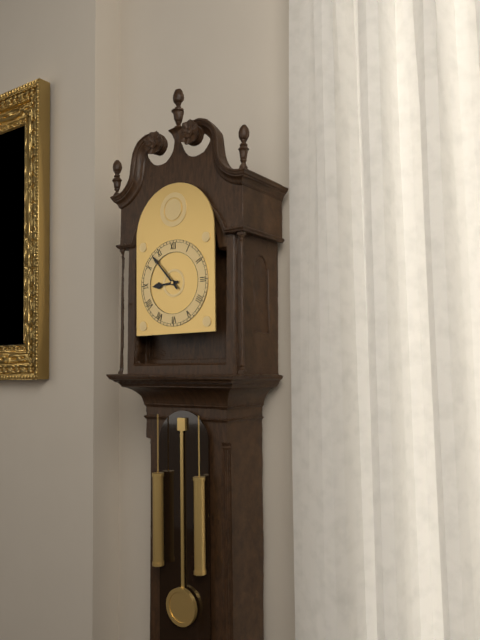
8:53
